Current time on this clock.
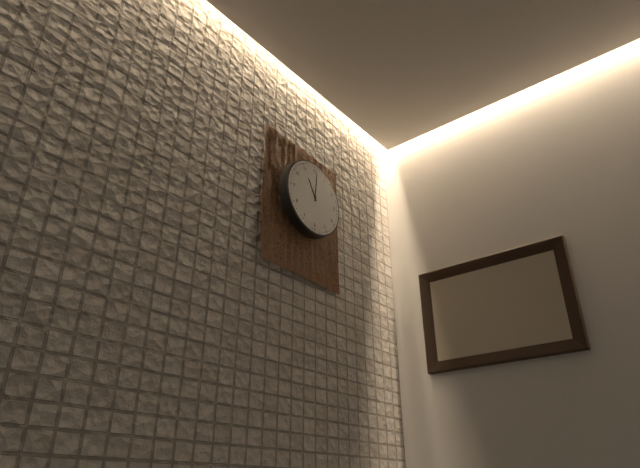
11:01
